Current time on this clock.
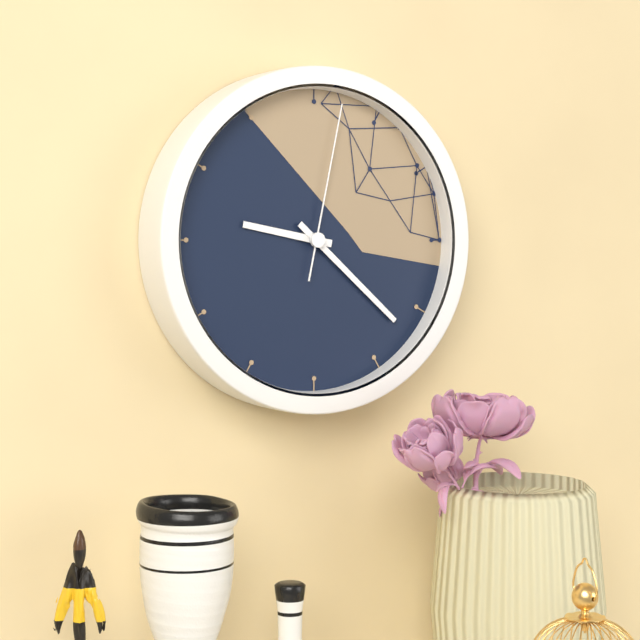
9:22:02
